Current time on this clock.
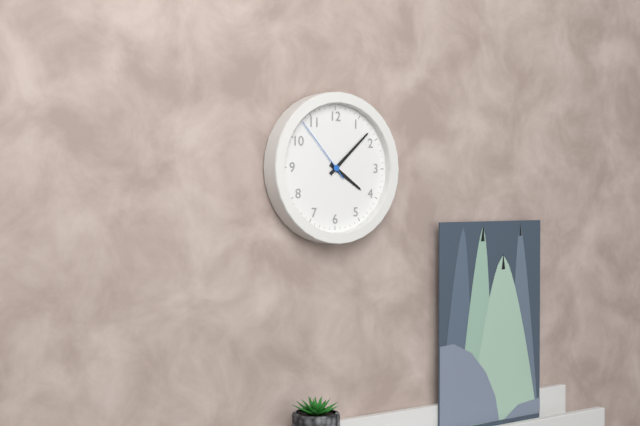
4:08:53
